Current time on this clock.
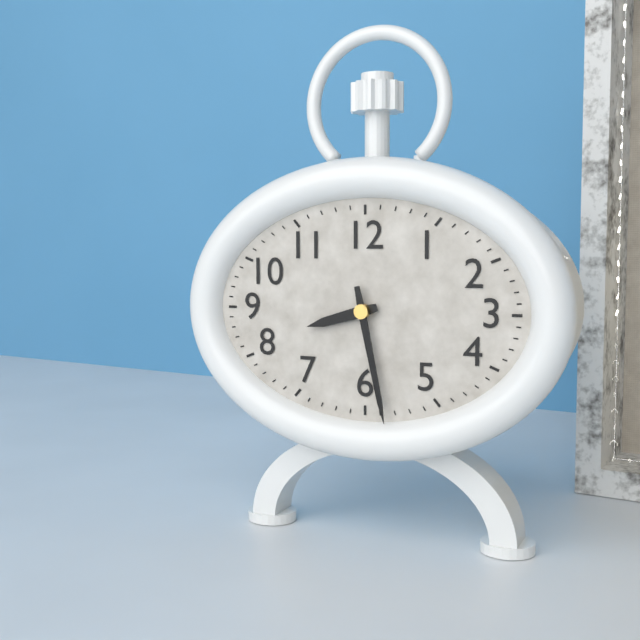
8:28
